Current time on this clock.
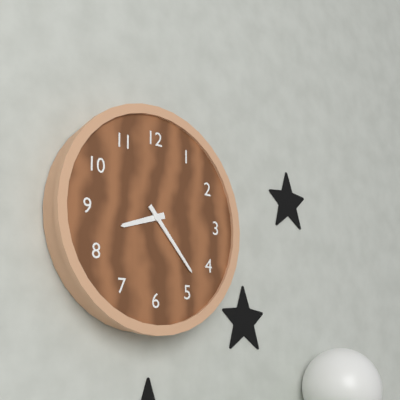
8:23
